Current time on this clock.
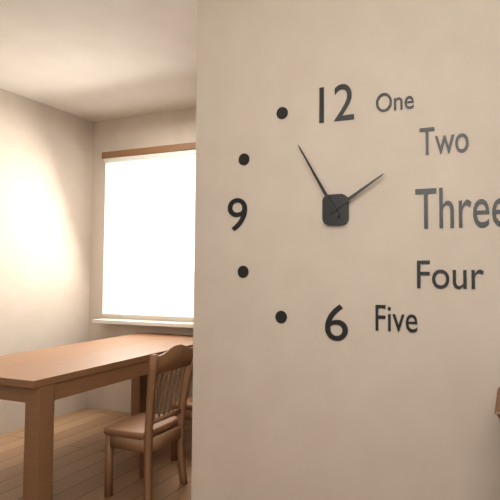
1:55
